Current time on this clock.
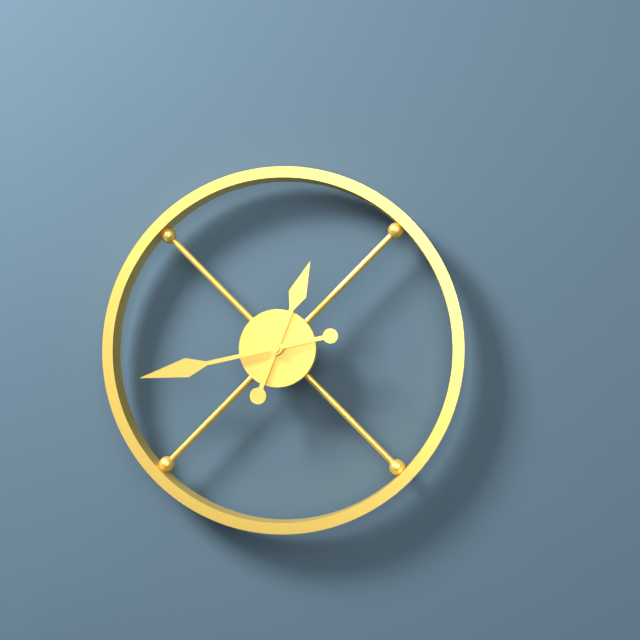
12:43
